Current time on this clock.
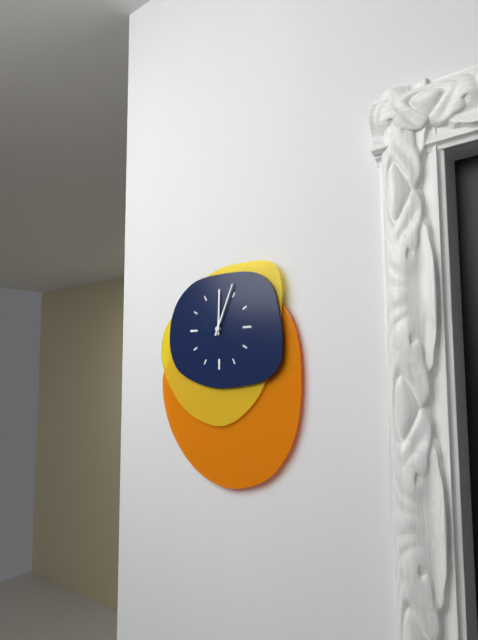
12:04
